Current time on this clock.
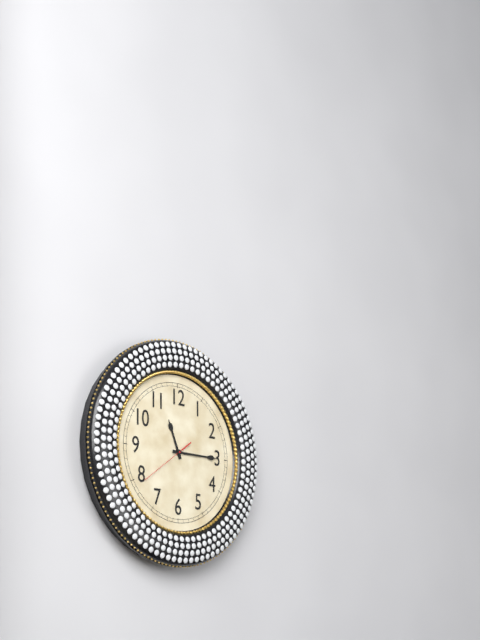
11:15
